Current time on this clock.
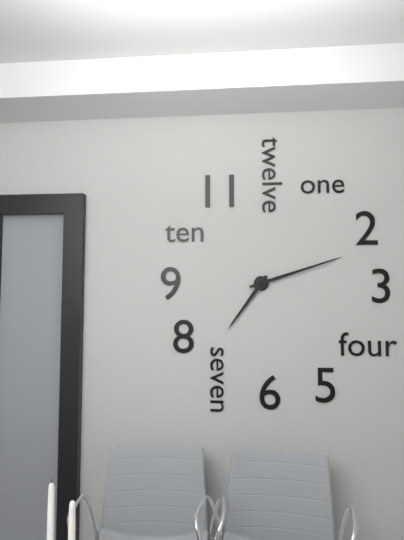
7:12
